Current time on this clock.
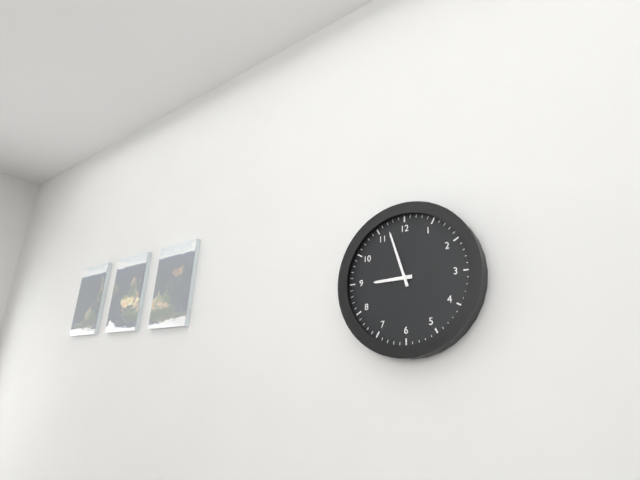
8:57
